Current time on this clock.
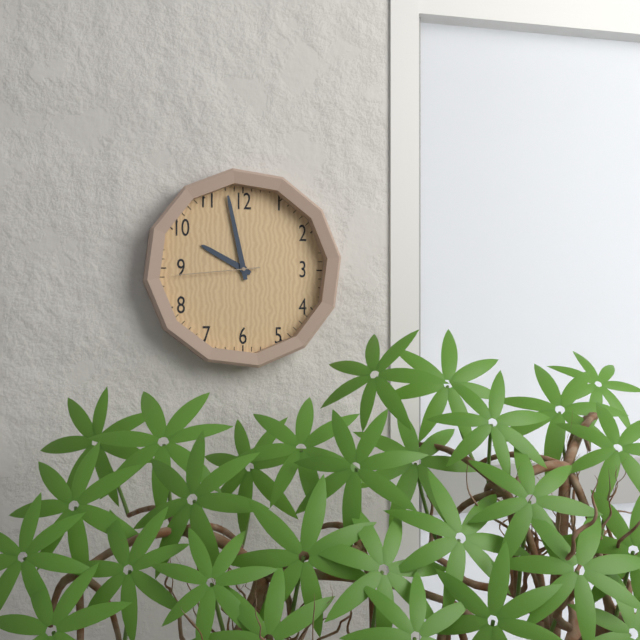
9:58:44
